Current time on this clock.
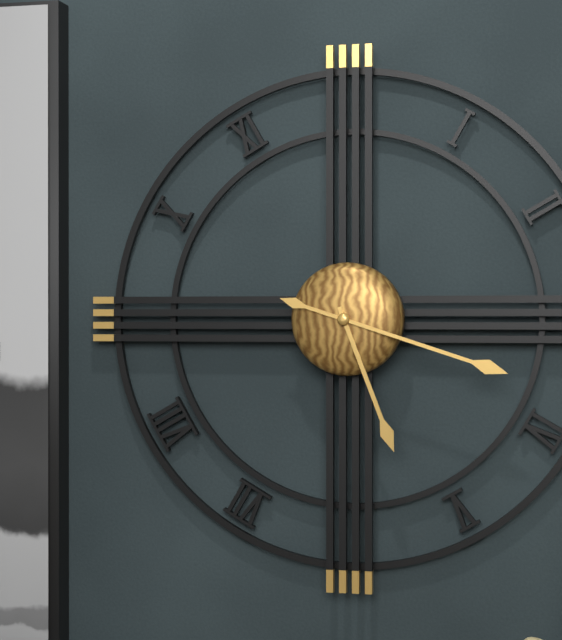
5:18
